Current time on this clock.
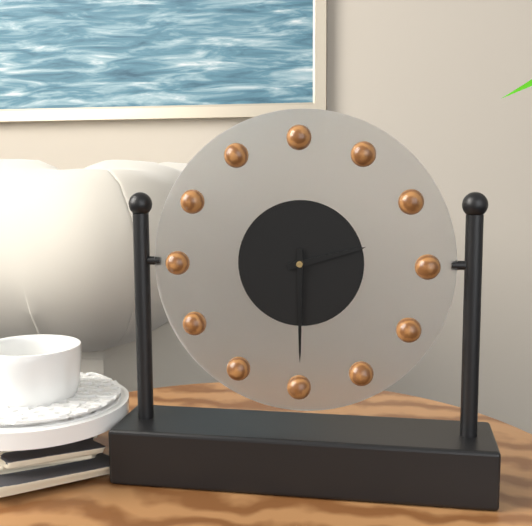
2:30
